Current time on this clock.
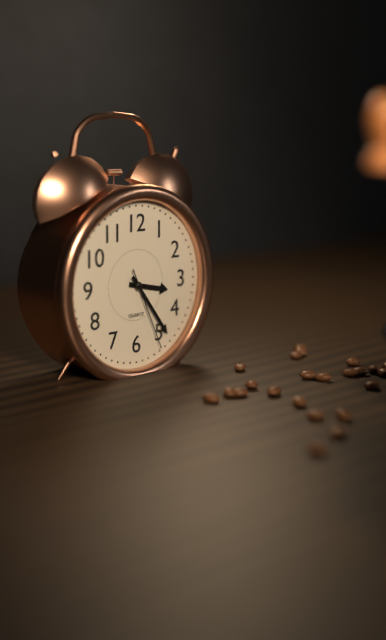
3:24:26
